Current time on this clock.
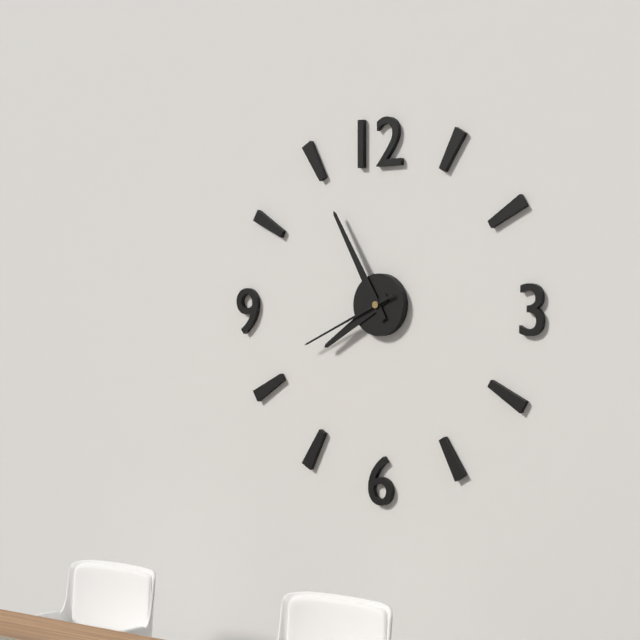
7:55:41
